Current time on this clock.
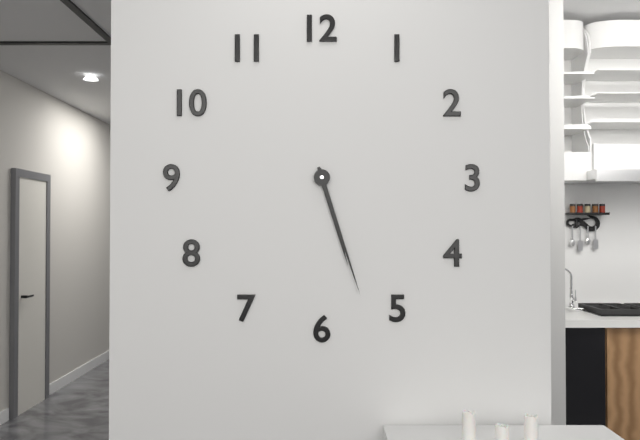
5:27
